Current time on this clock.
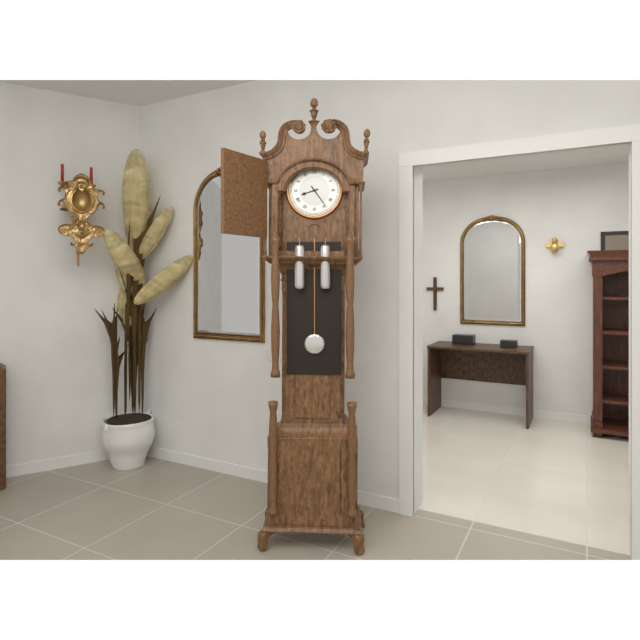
8:24
